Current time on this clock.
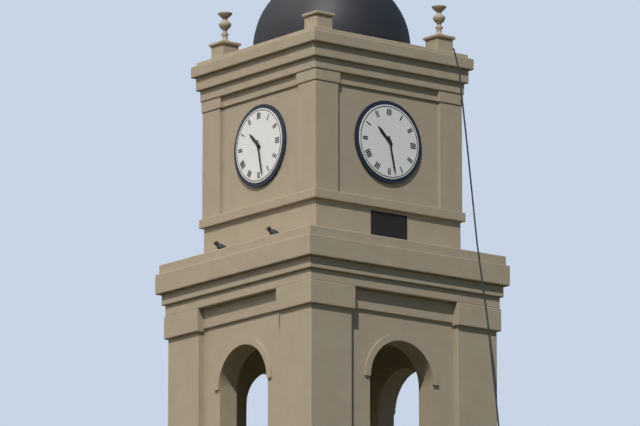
10:28
